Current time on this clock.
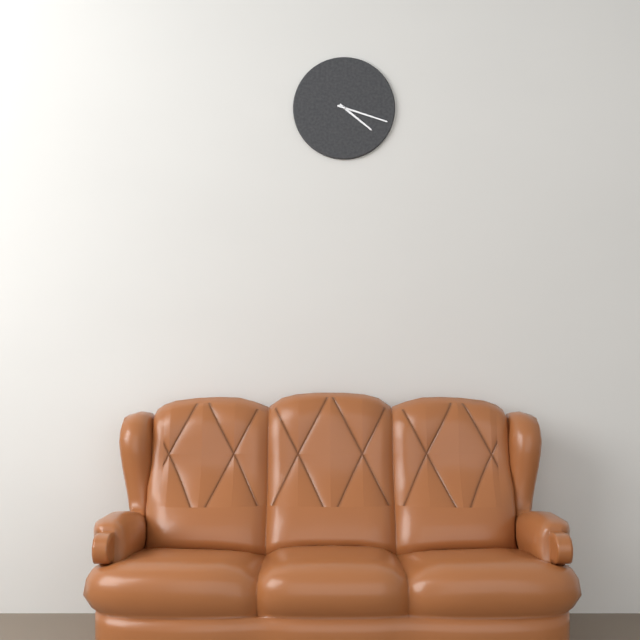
4:18
